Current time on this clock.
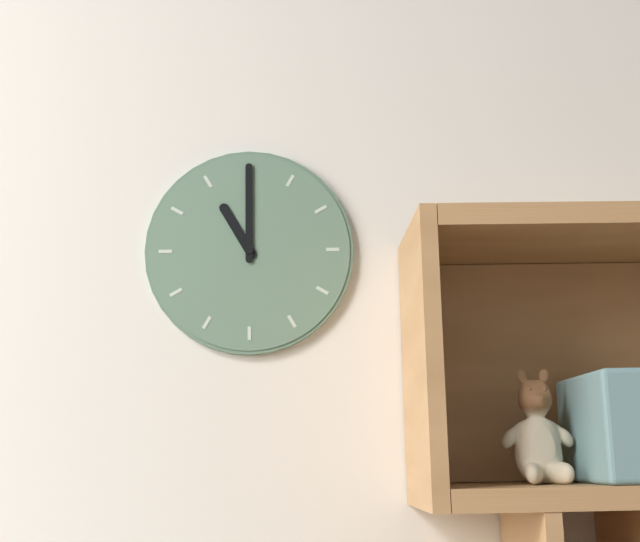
11:00
